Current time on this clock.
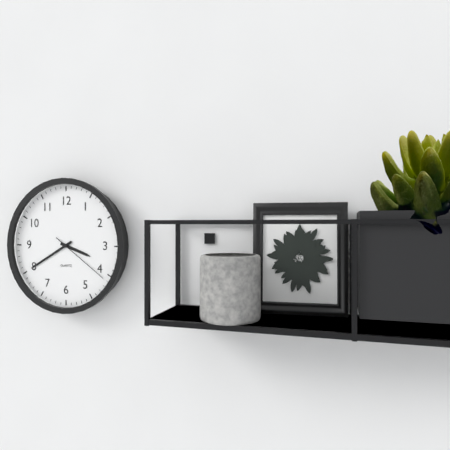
3:40:21
